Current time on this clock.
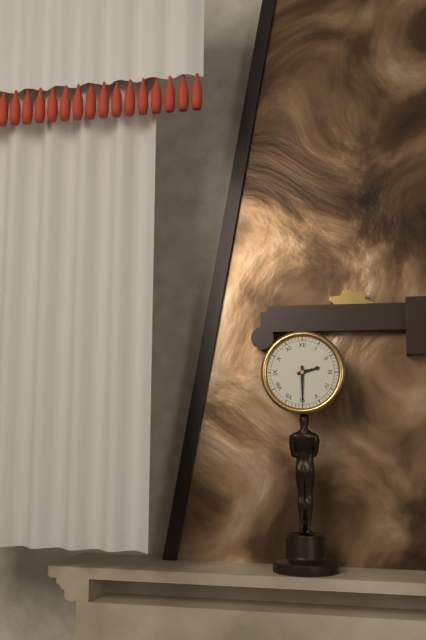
2:30
